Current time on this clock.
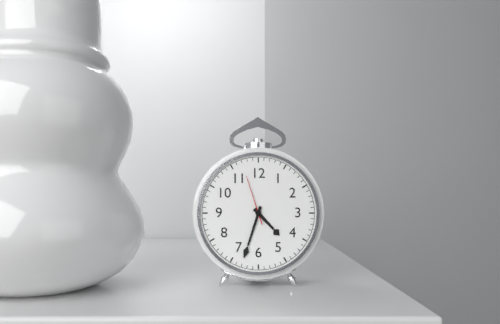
4:33
